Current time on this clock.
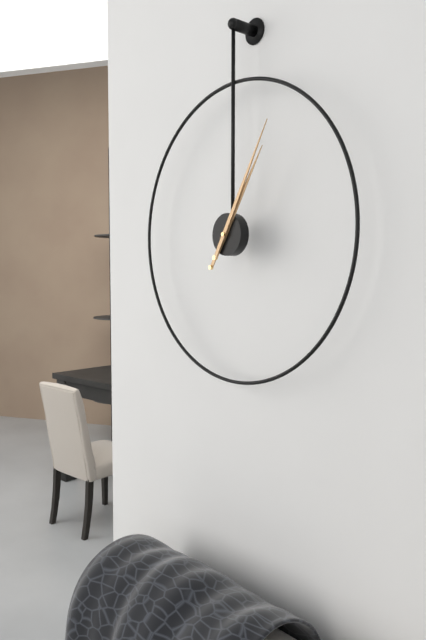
1:05
